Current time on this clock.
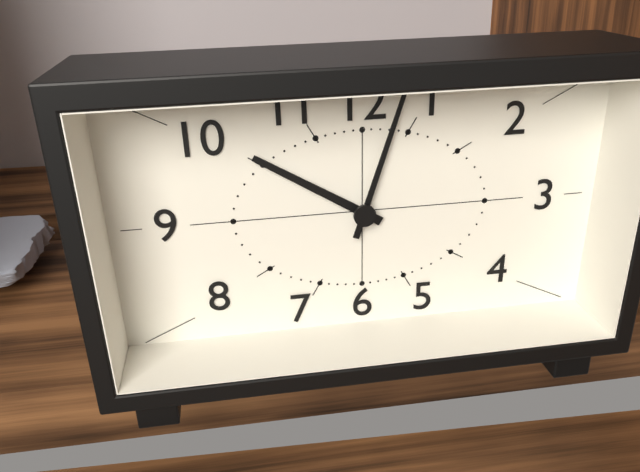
10:03
